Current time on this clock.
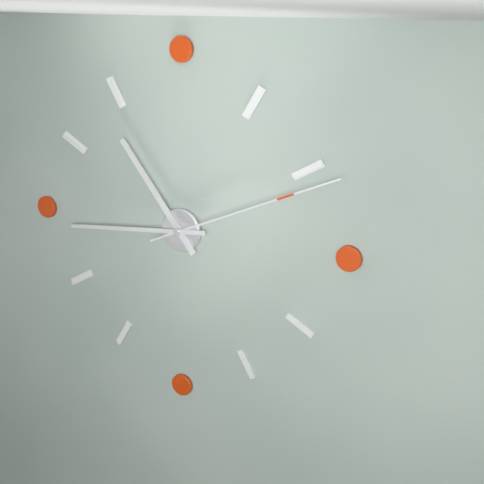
10:44:11
